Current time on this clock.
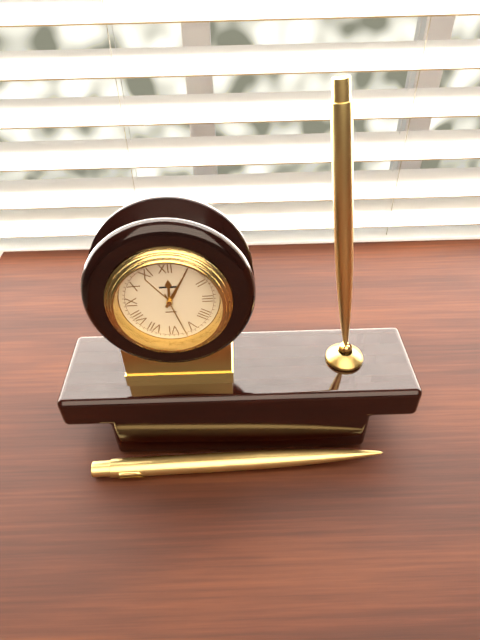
12:05
